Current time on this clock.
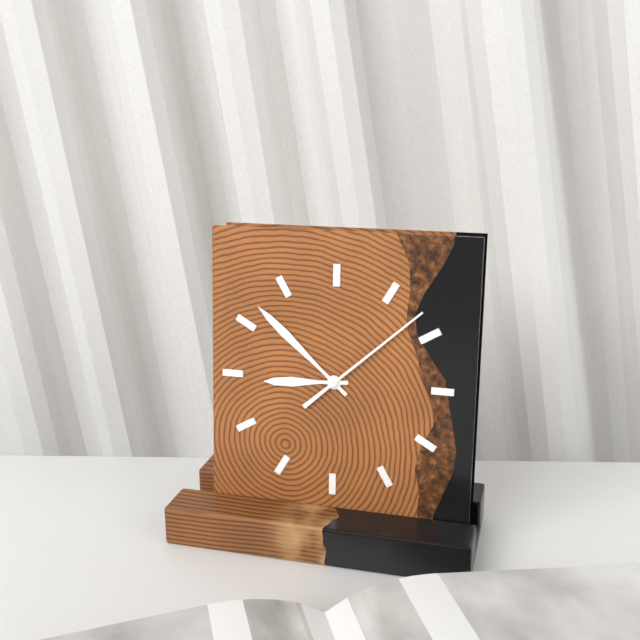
8:52:08
